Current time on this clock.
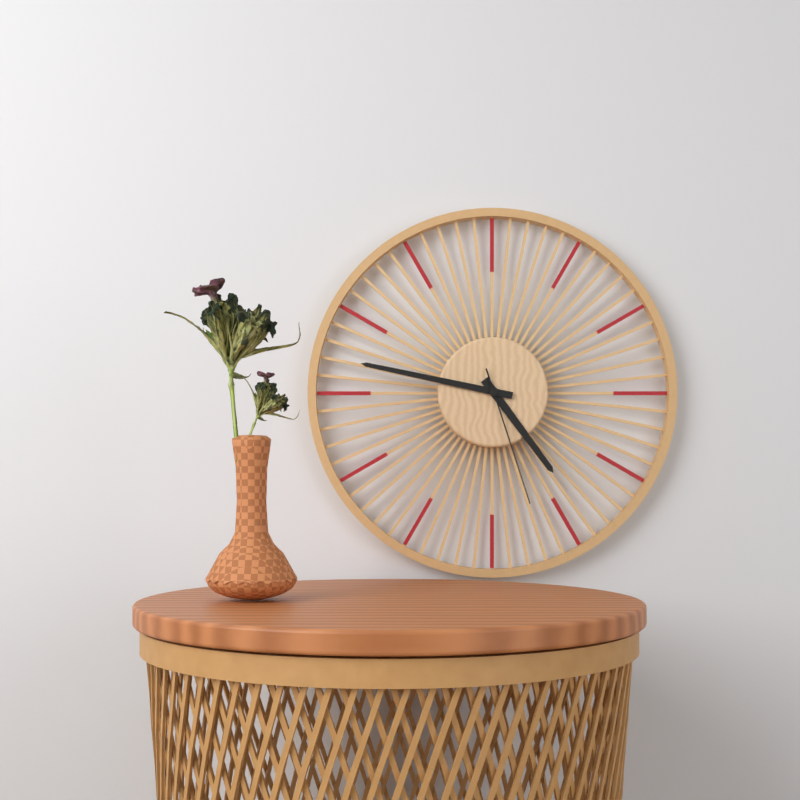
4:47:27
